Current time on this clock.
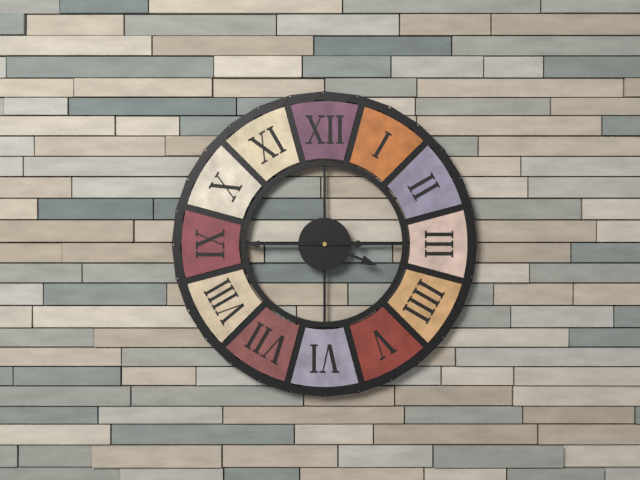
3:45
